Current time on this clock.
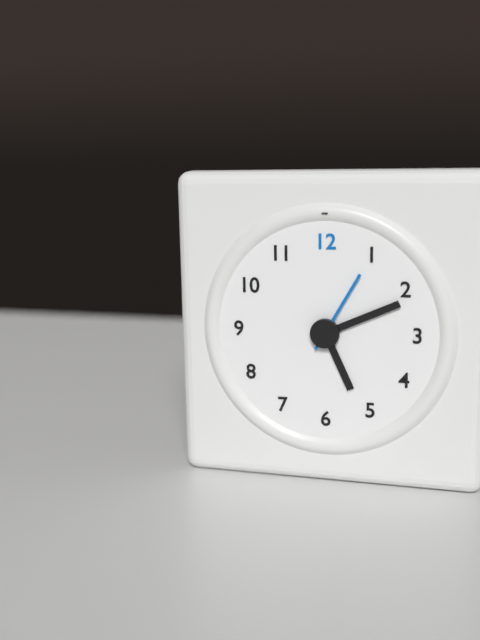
5:11:05
